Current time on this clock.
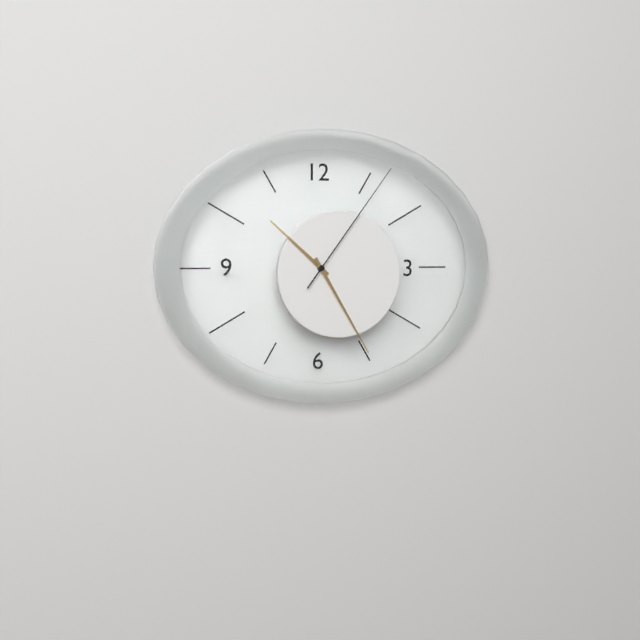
10:25:06
